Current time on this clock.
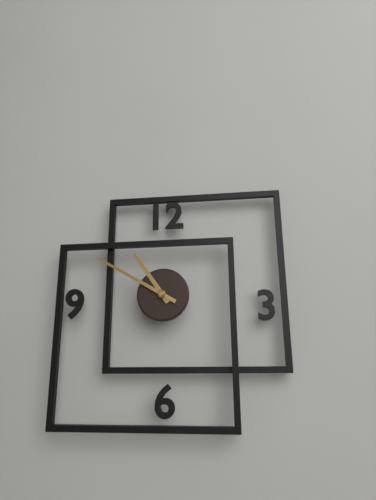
10:50
